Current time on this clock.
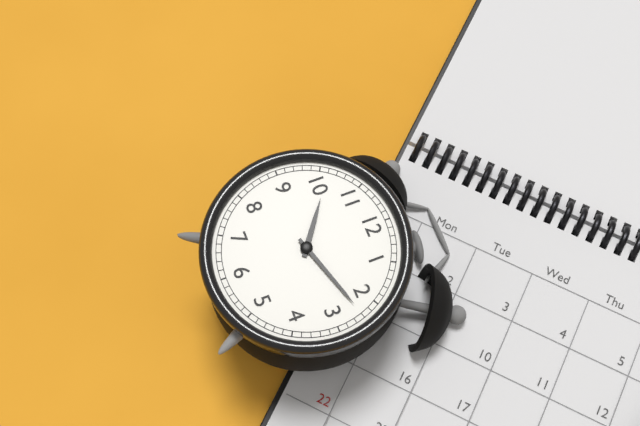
10:12
